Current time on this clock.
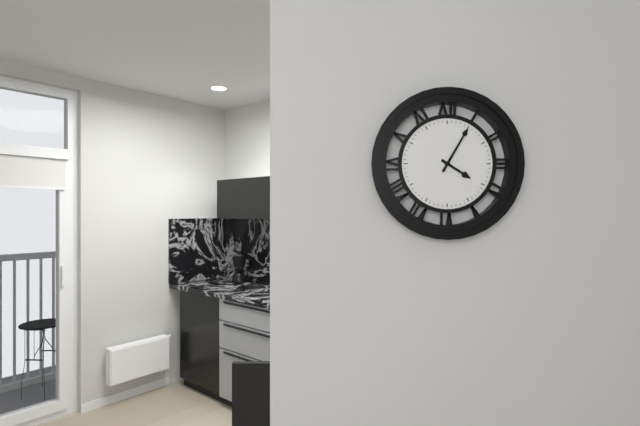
4:05
